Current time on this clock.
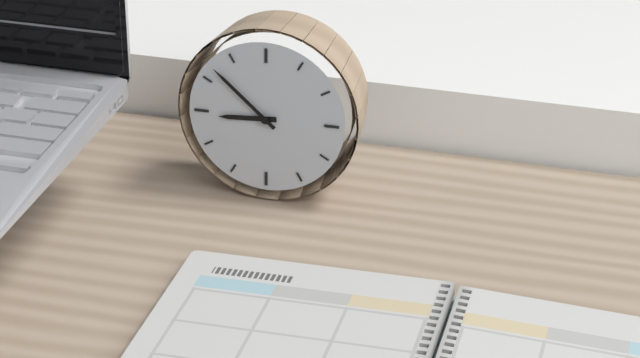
8:52
